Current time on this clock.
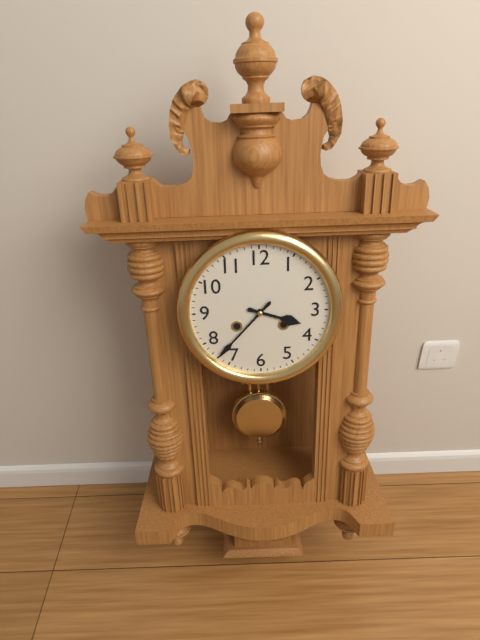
3:37
